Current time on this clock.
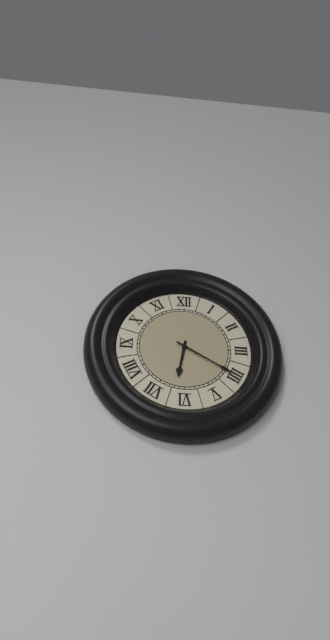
6:20
